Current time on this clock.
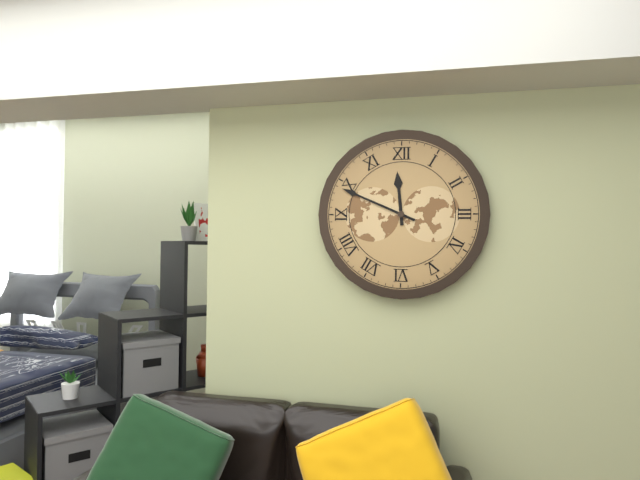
11:49
